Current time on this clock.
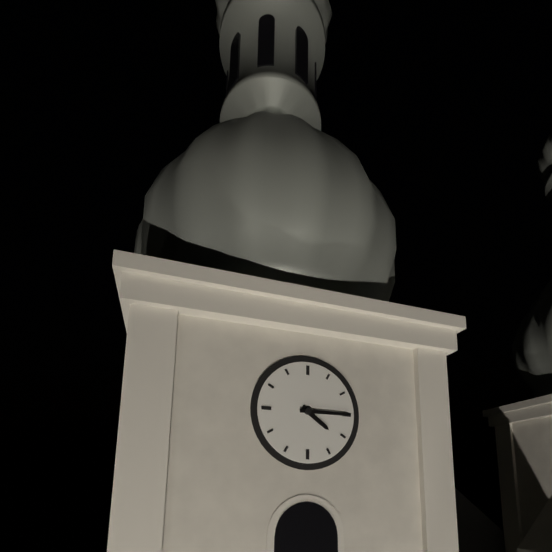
4:15
